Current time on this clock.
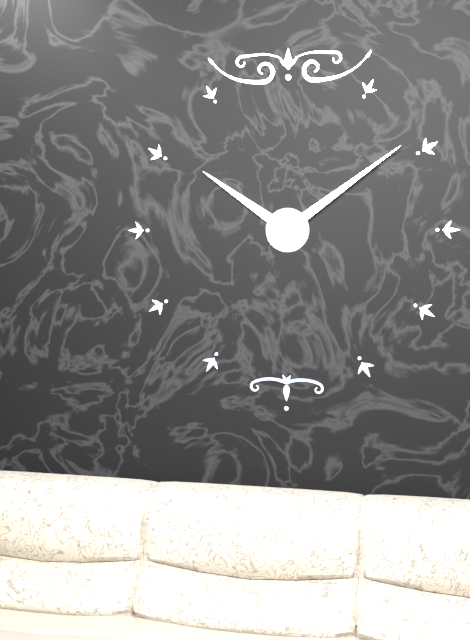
10:09
